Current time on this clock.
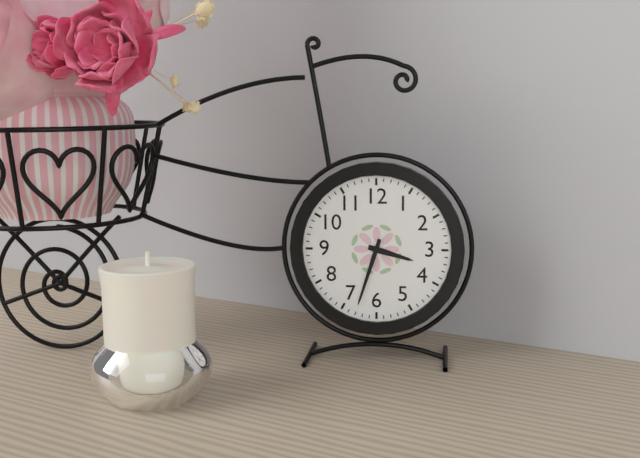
3:33
